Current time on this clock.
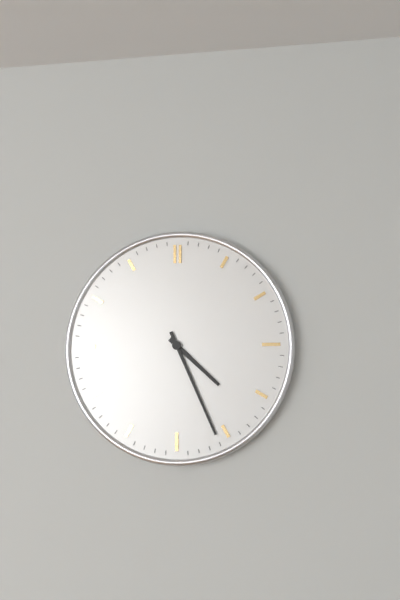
4:26
